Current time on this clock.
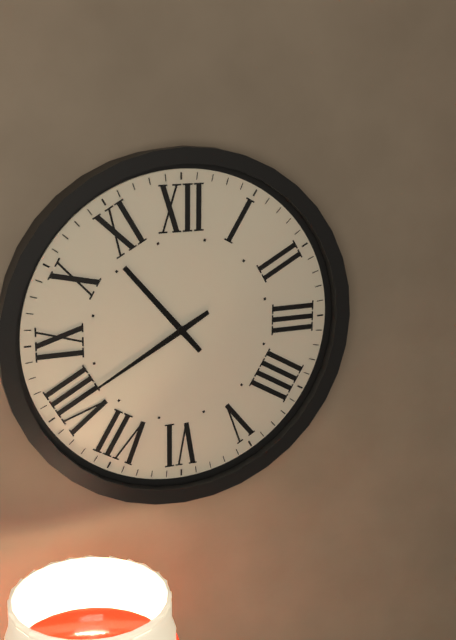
10:40
